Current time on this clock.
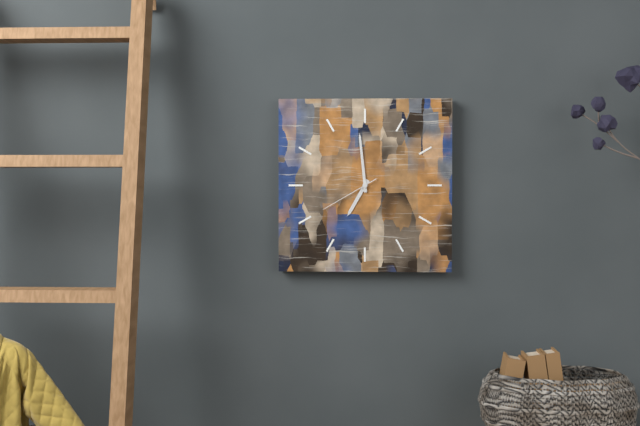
6:59:40
